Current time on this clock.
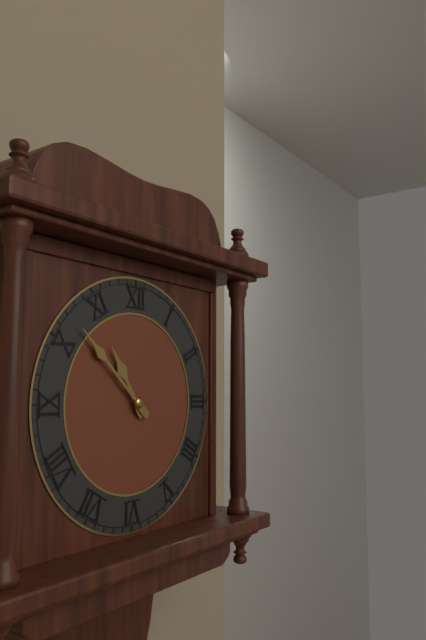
10:52
